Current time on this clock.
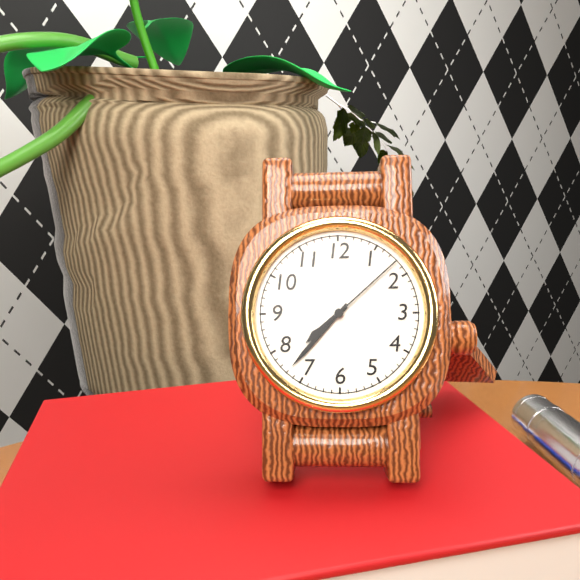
7:37:08
